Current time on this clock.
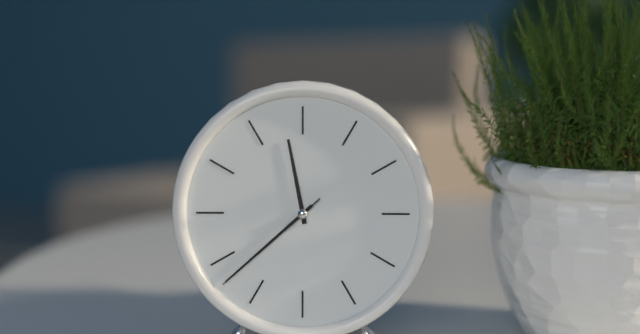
11:38:38
